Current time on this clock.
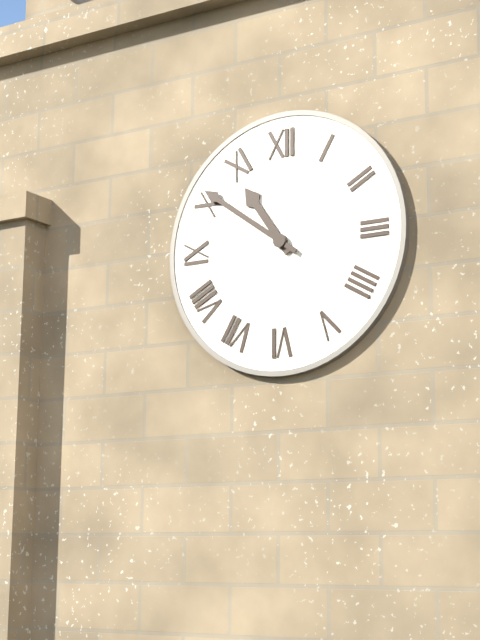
10:51
